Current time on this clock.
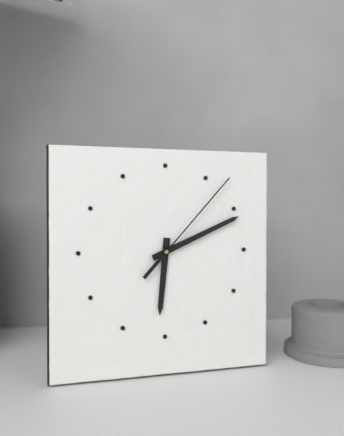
6:11:07
